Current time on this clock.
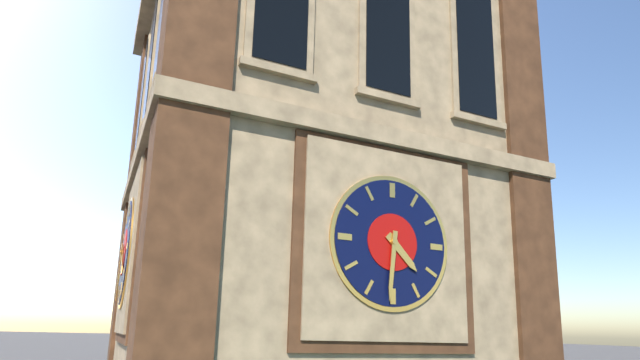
4:31
